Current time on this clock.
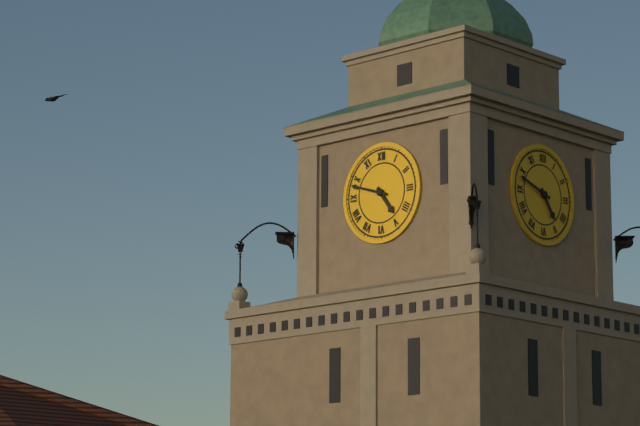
4:48
